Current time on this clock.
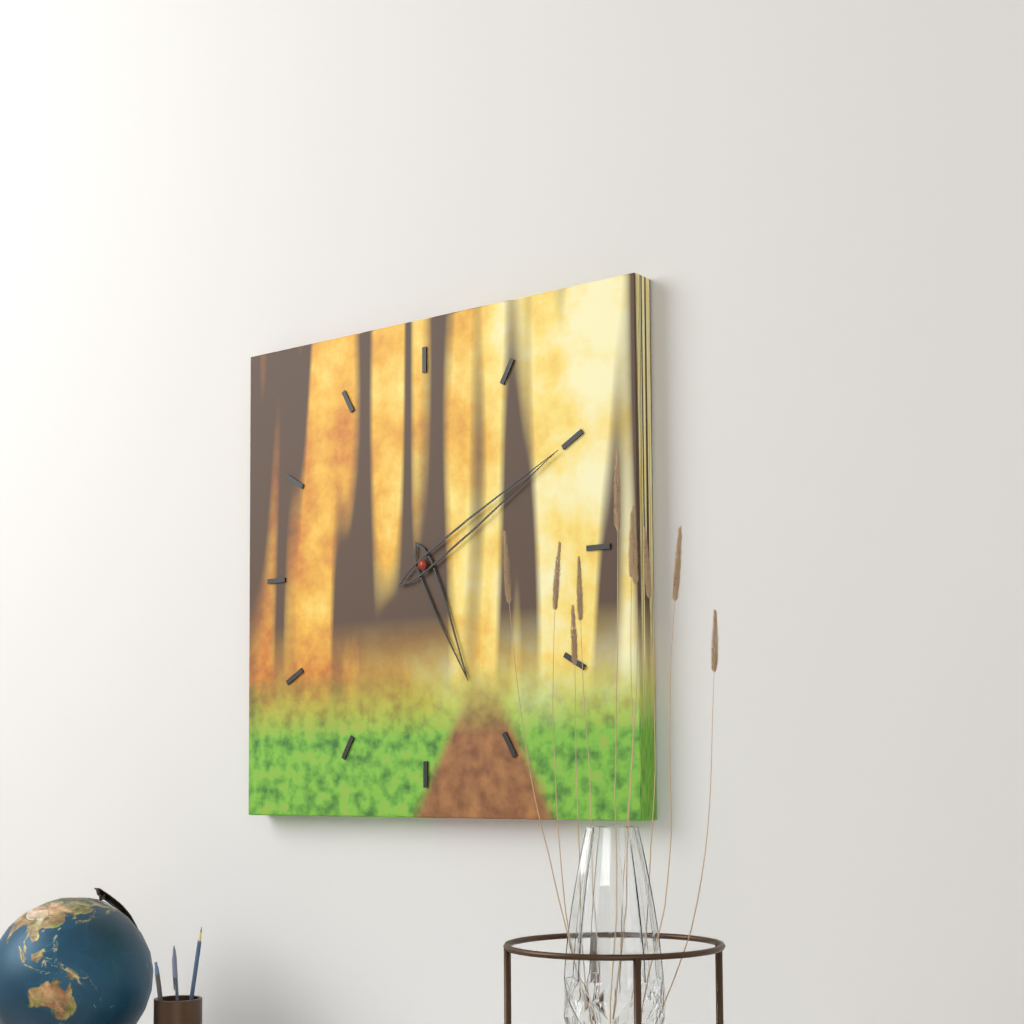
5:10
